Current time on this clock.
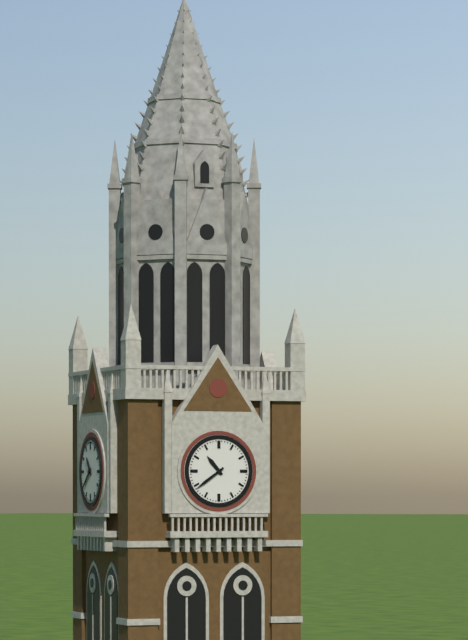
10:39
